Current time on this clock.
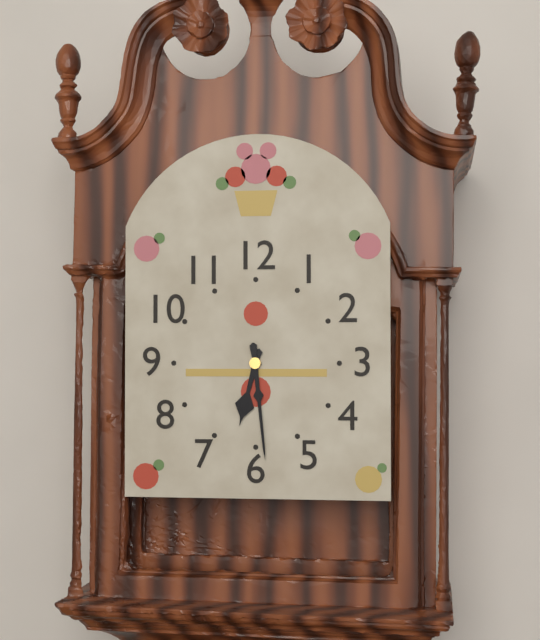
6:29
